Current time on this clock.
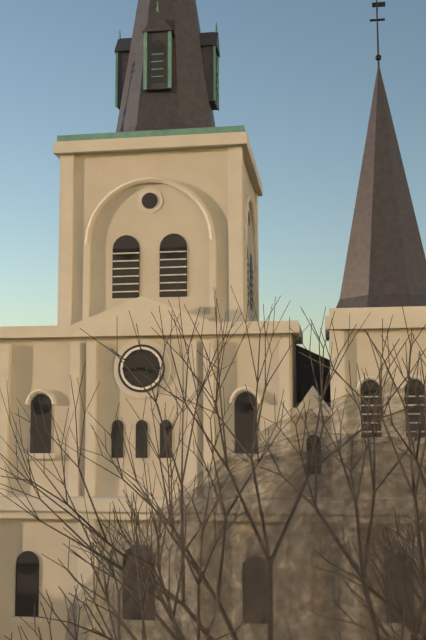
3:44
